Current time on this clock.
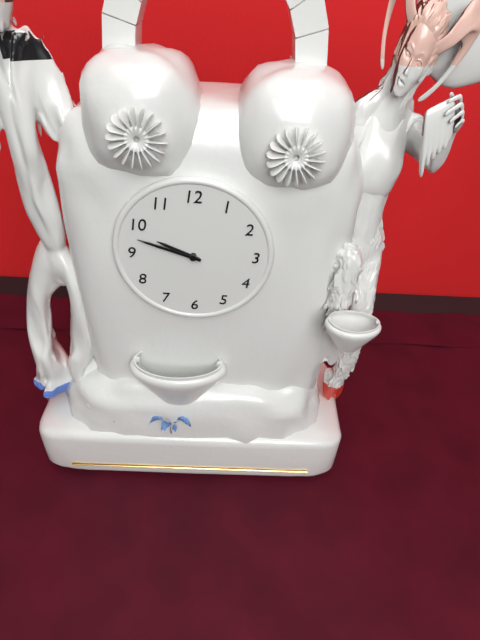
9:48
